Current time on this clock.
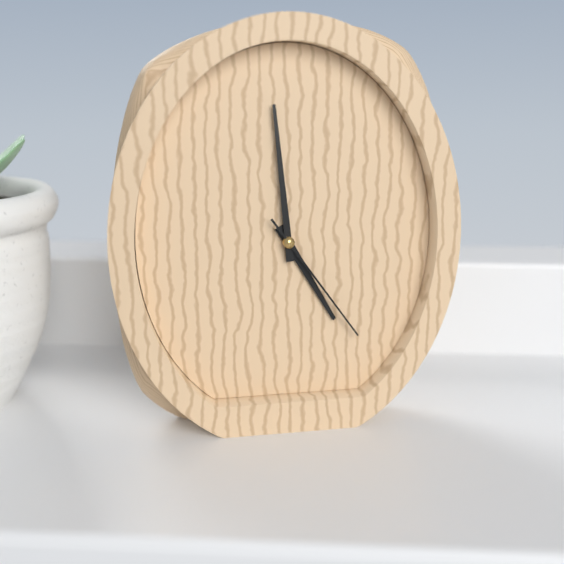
4:59:24
